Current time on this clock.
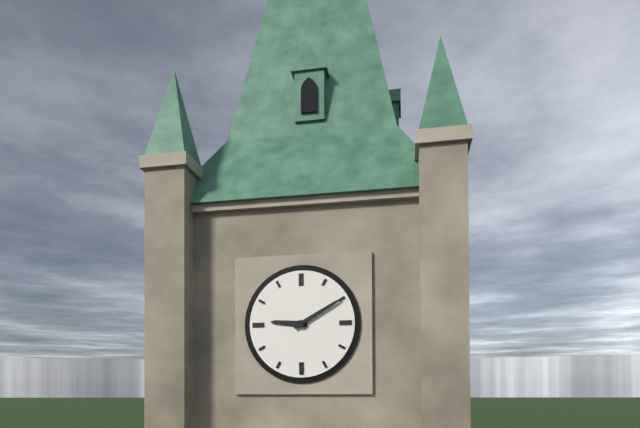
9:10
